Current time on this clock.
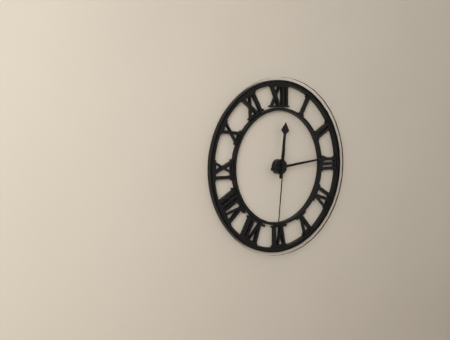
12:14:31
